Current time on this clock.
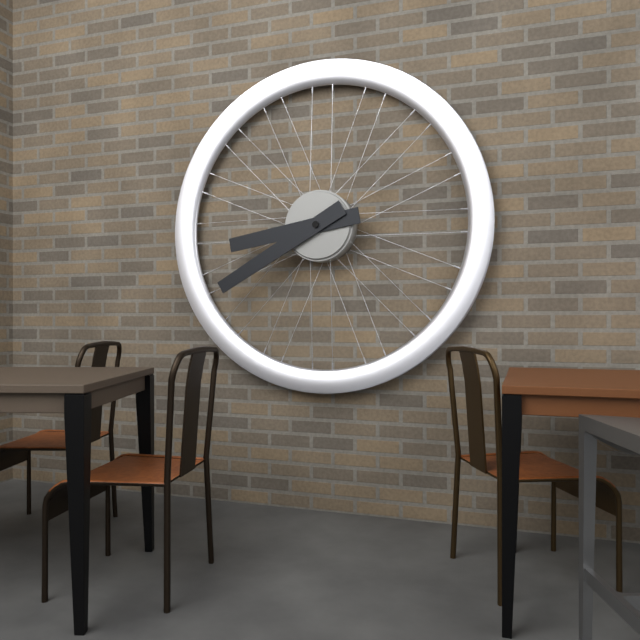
8:40
